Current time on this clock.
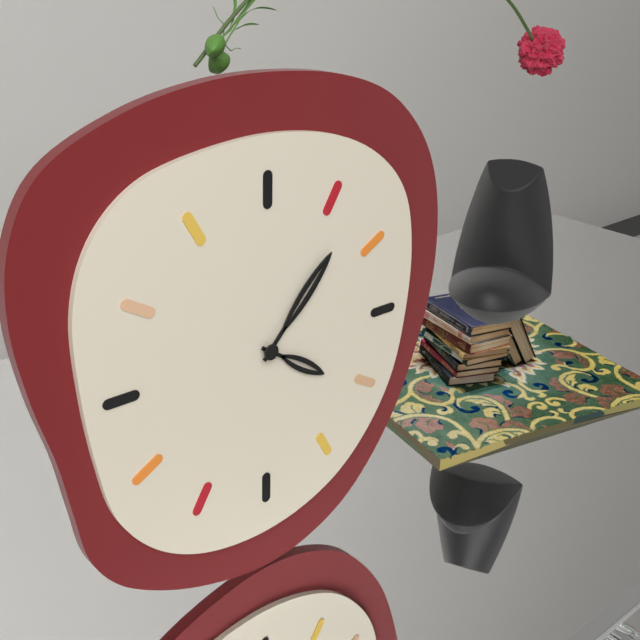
4:07
